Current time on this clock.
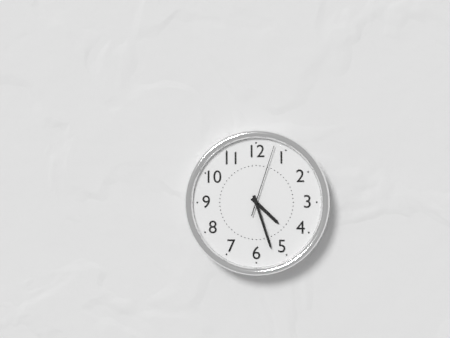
4:27:03
